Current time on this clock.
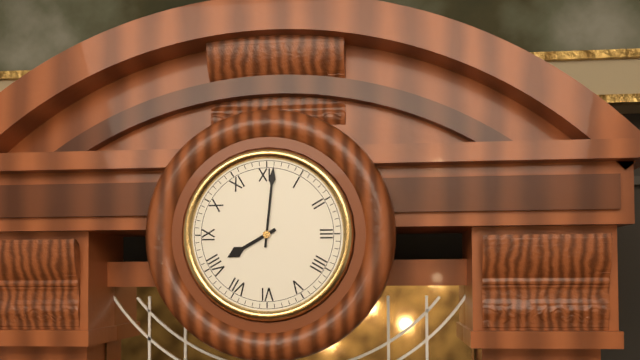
8:01
